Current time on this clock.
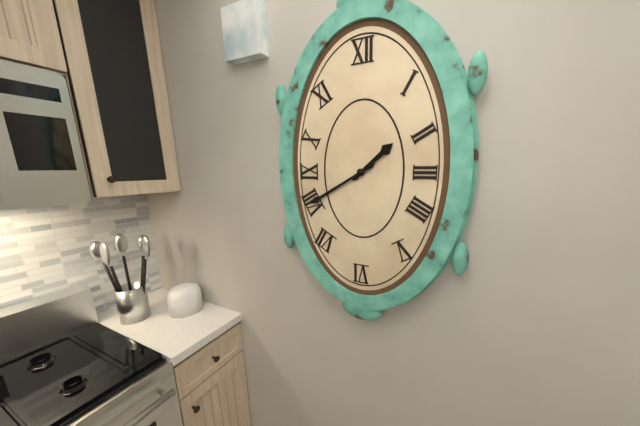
1:40
